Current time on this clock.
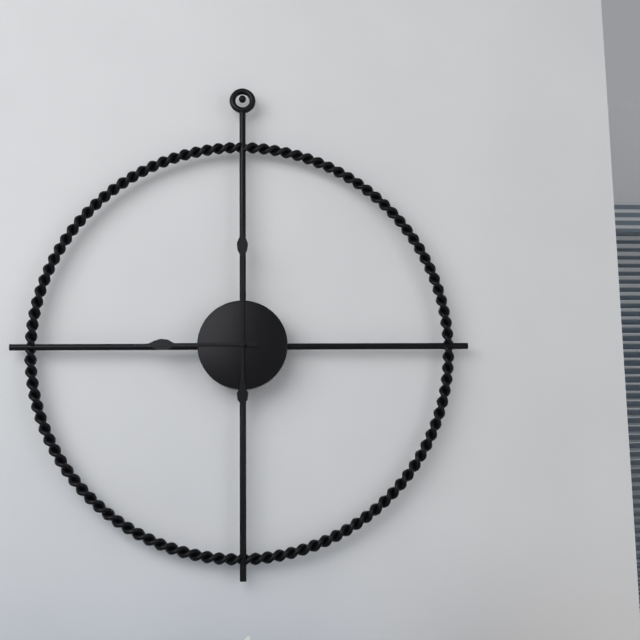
9:00
